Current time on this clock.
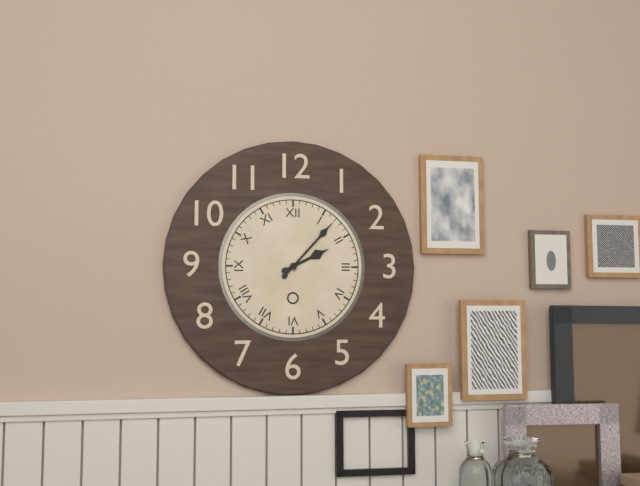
2:07
